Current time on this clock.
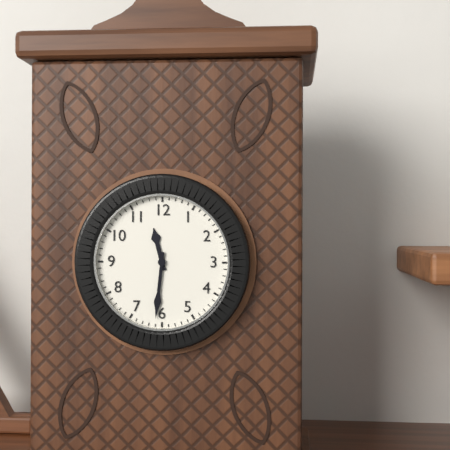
11:31
